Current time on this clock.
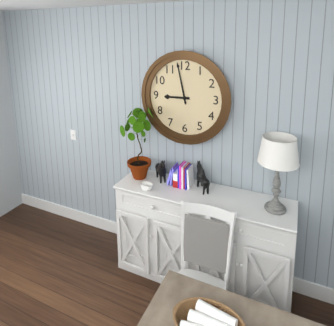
8:58
